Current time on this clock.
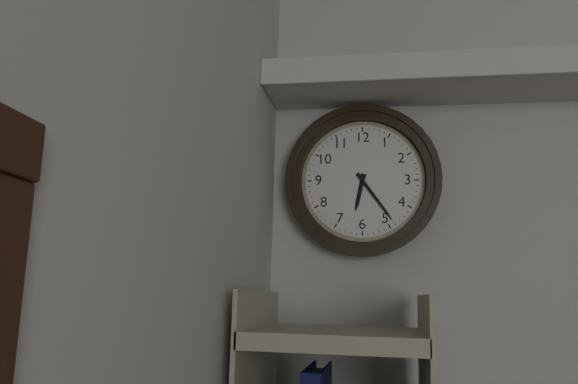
6:24
